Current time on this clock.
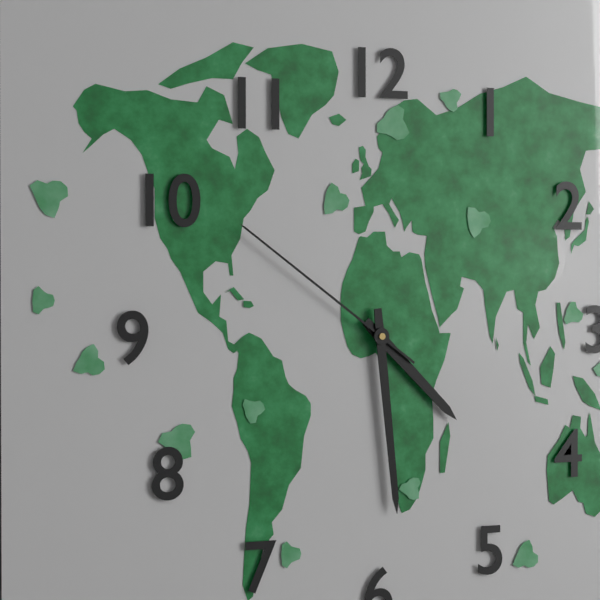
4:29:51
